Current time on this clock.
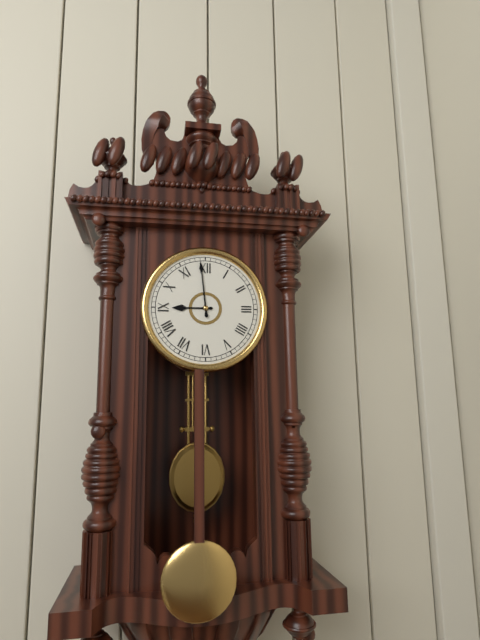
8:59
